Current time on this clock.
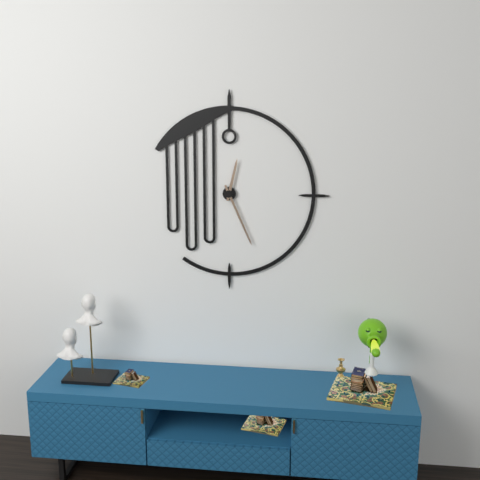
12:26
